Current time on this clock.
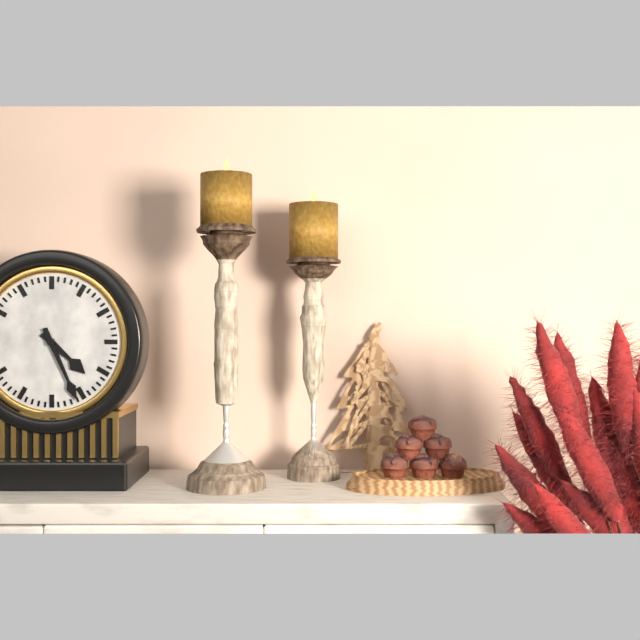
4:26
